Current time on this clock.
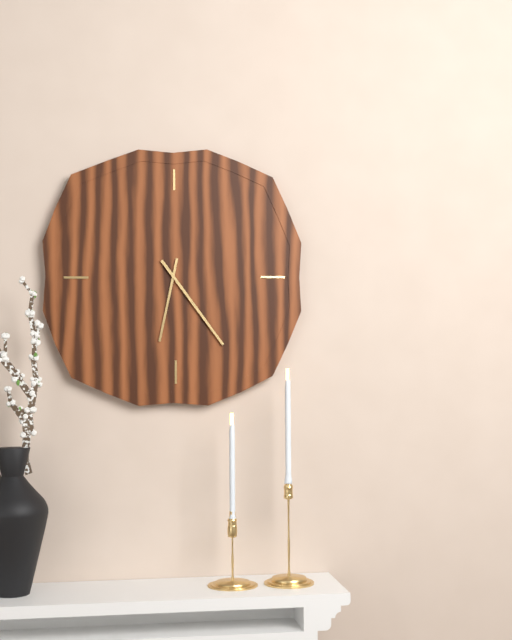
6:24
